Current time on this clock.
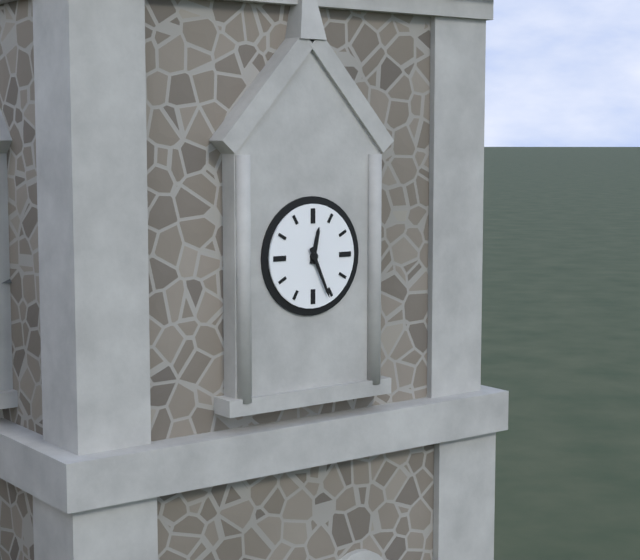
12:26
